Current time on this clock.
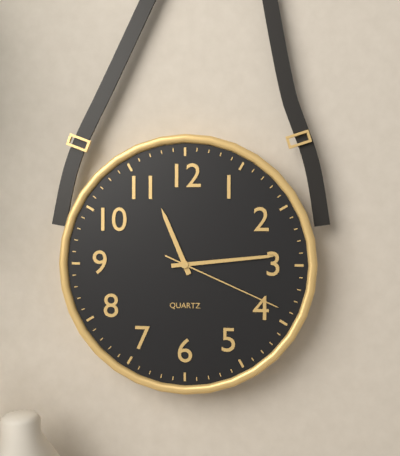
11:14:19
